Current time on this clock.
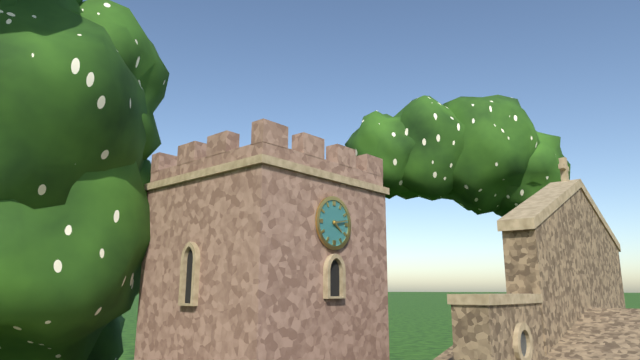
4:13
